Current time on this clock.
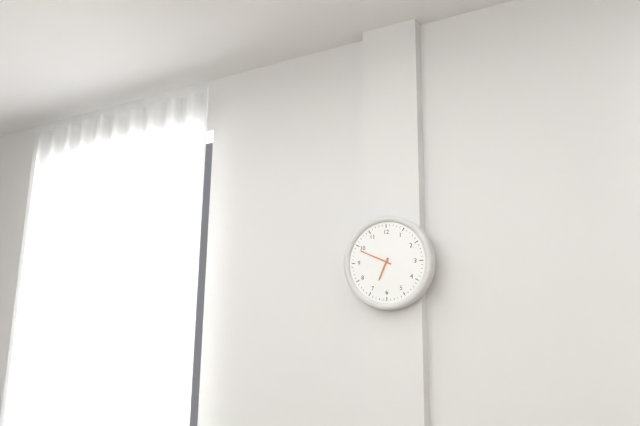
6:49
